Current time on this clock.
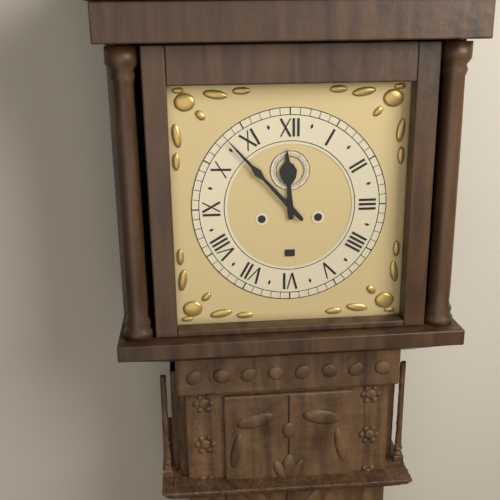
11:53
